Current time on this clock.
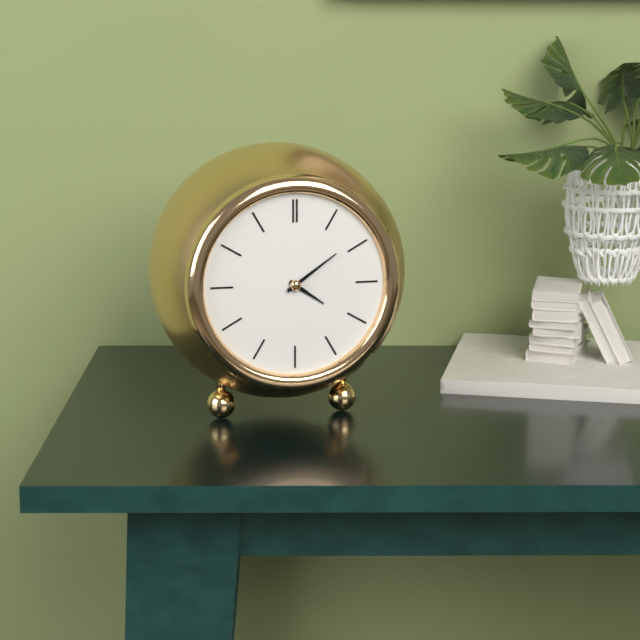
4:09
